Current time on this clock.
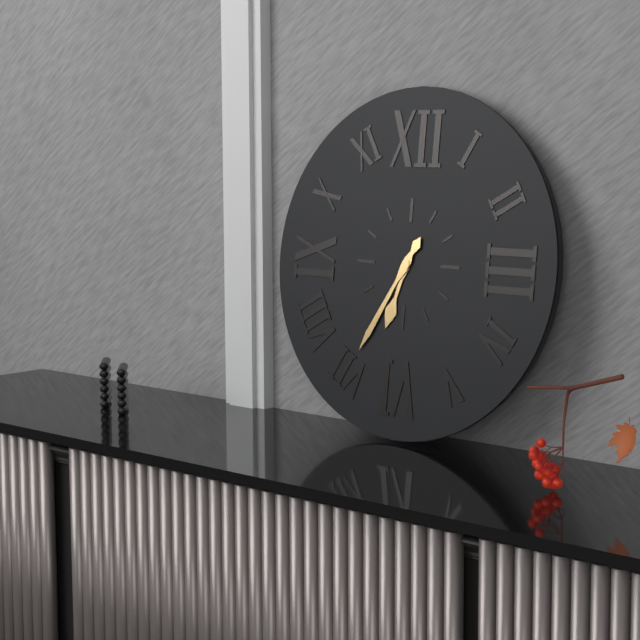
6:35
